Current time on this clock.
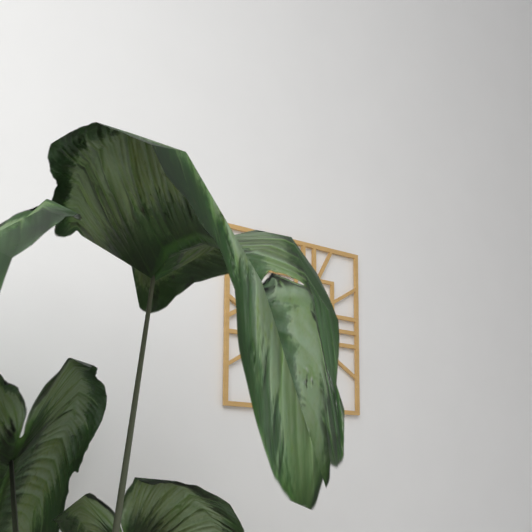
8:34
